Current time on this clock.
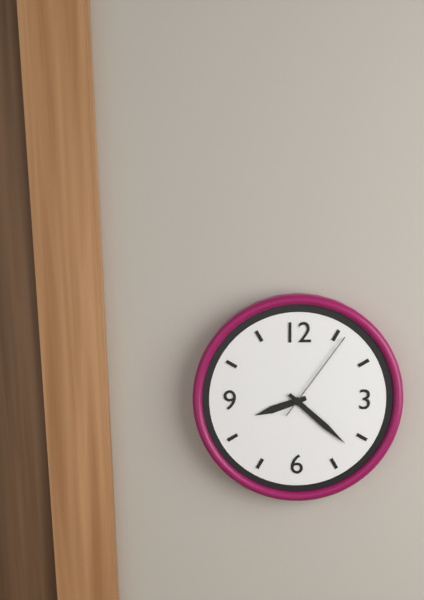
8:22:06
